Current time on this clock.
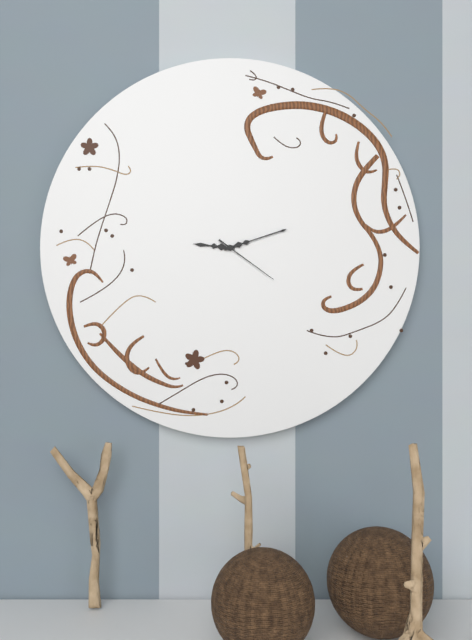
9:12:21
